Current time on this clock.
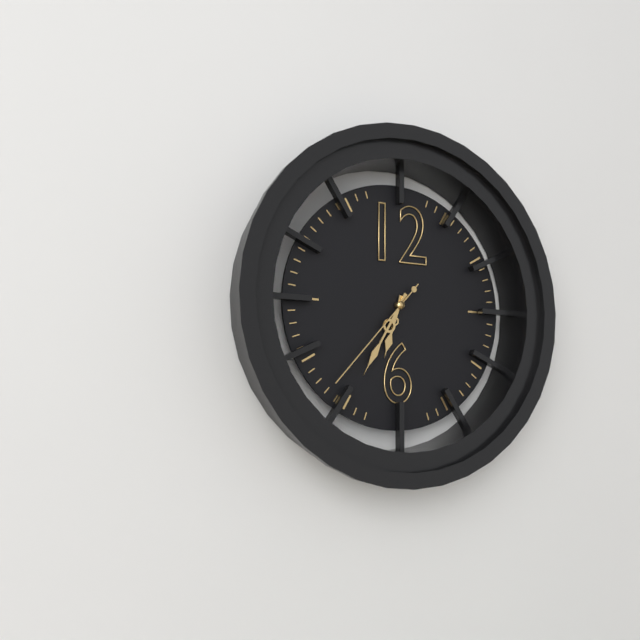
6:35:37
